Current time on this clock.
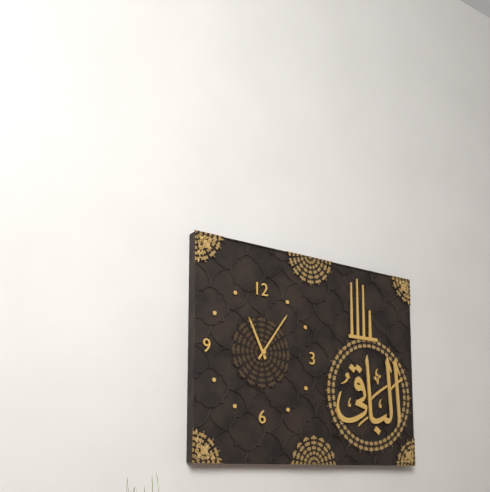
11:06
